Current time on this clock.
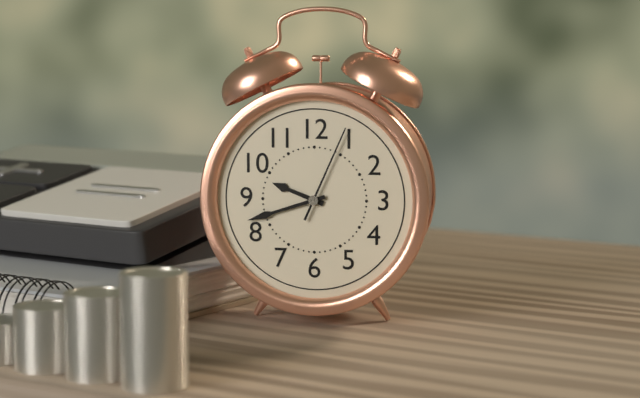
9:42:04
